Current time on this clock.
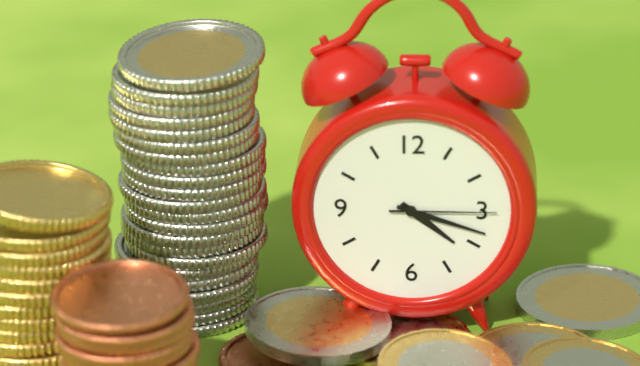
4:18:15
